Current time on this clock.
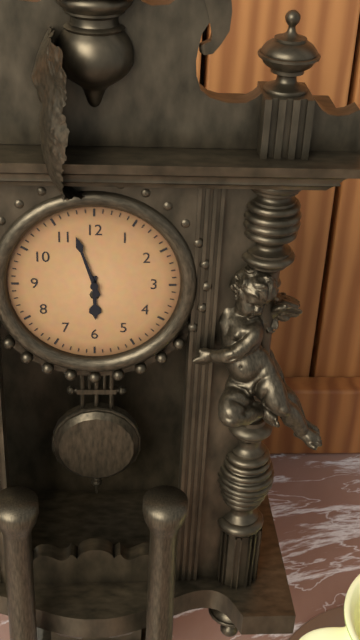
5:57
